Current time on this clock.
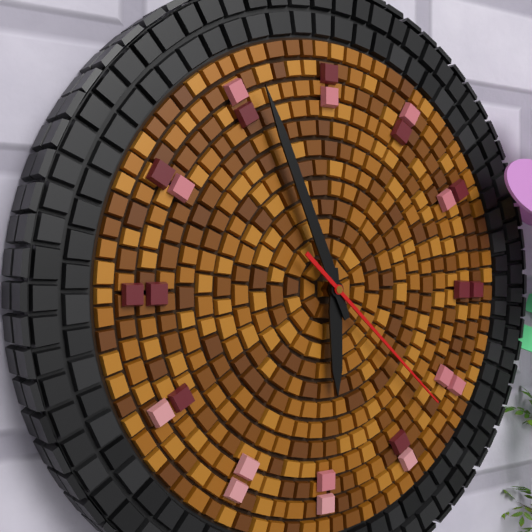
5:56:22
